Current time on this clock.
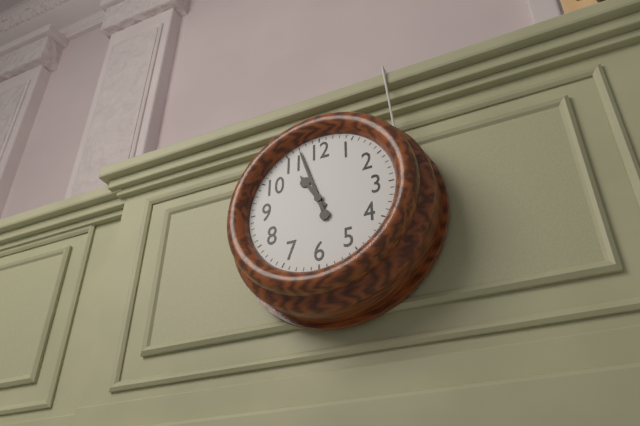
10:57
